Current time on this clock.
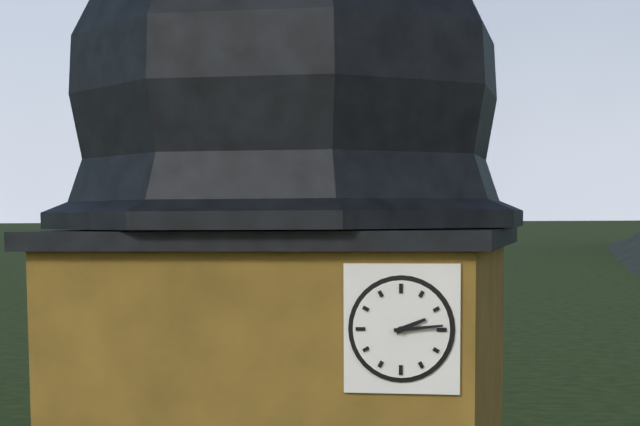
2:14
